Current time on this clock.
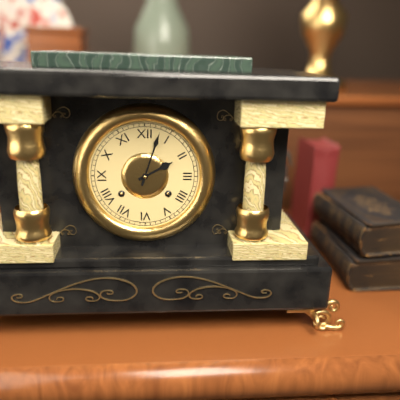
2:03
